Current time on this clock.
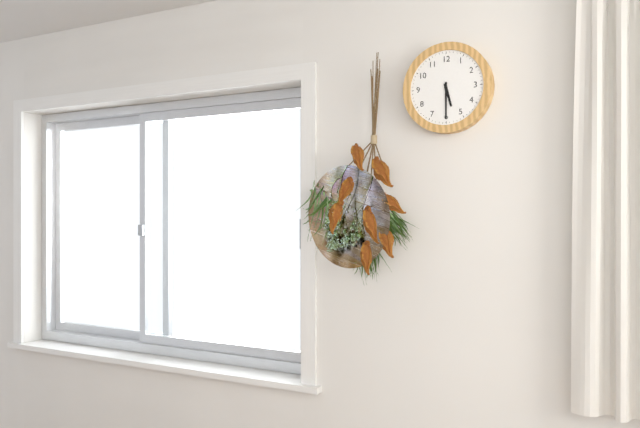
5:30
